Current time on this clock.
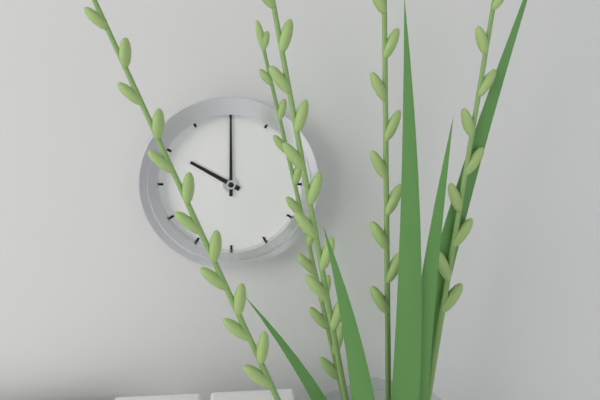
10:00
